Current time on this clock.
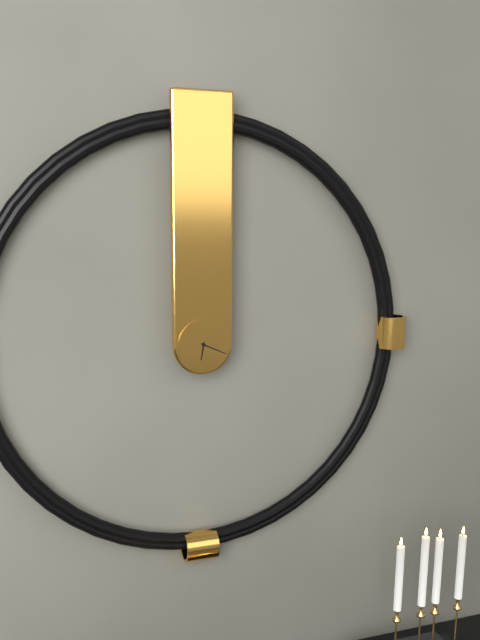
6:19
